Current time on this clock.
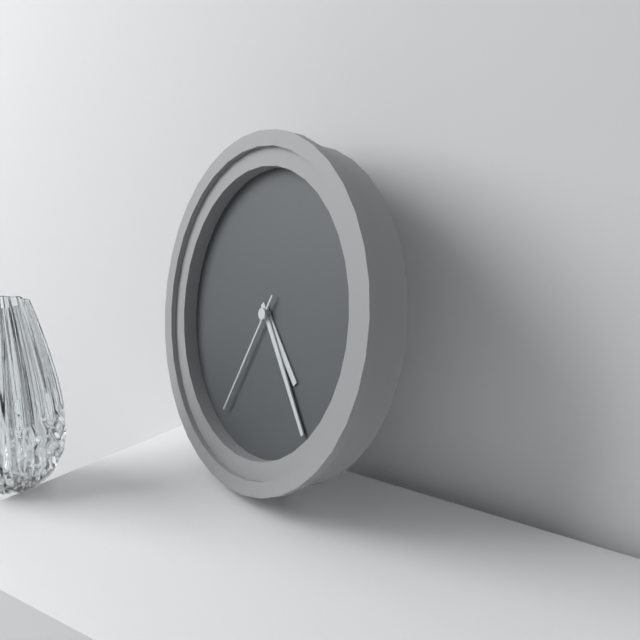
4:23:34
